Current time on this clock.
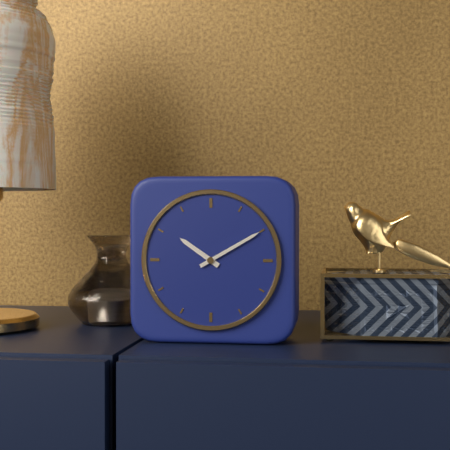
10:10
